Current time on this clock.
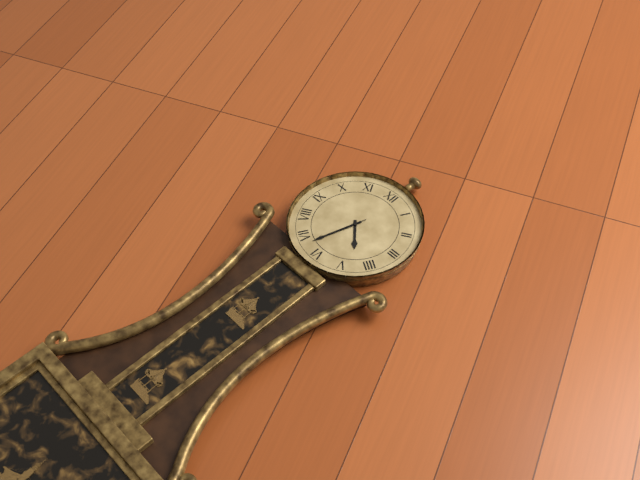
4:33:33
